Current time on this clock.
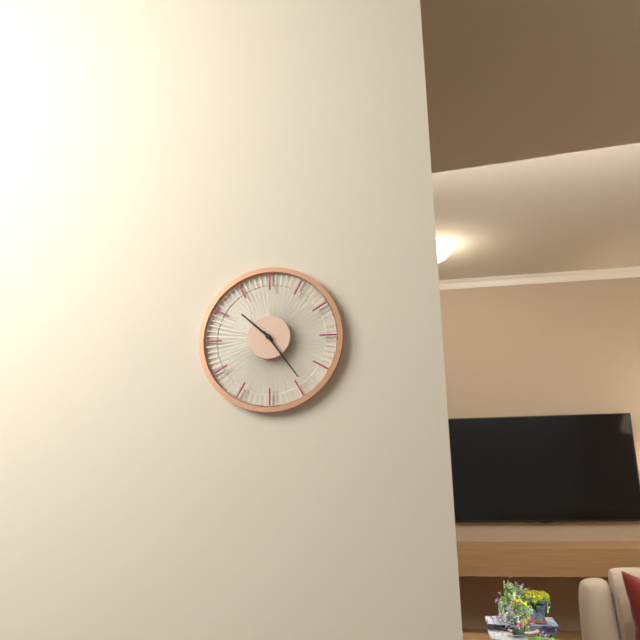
10:24
